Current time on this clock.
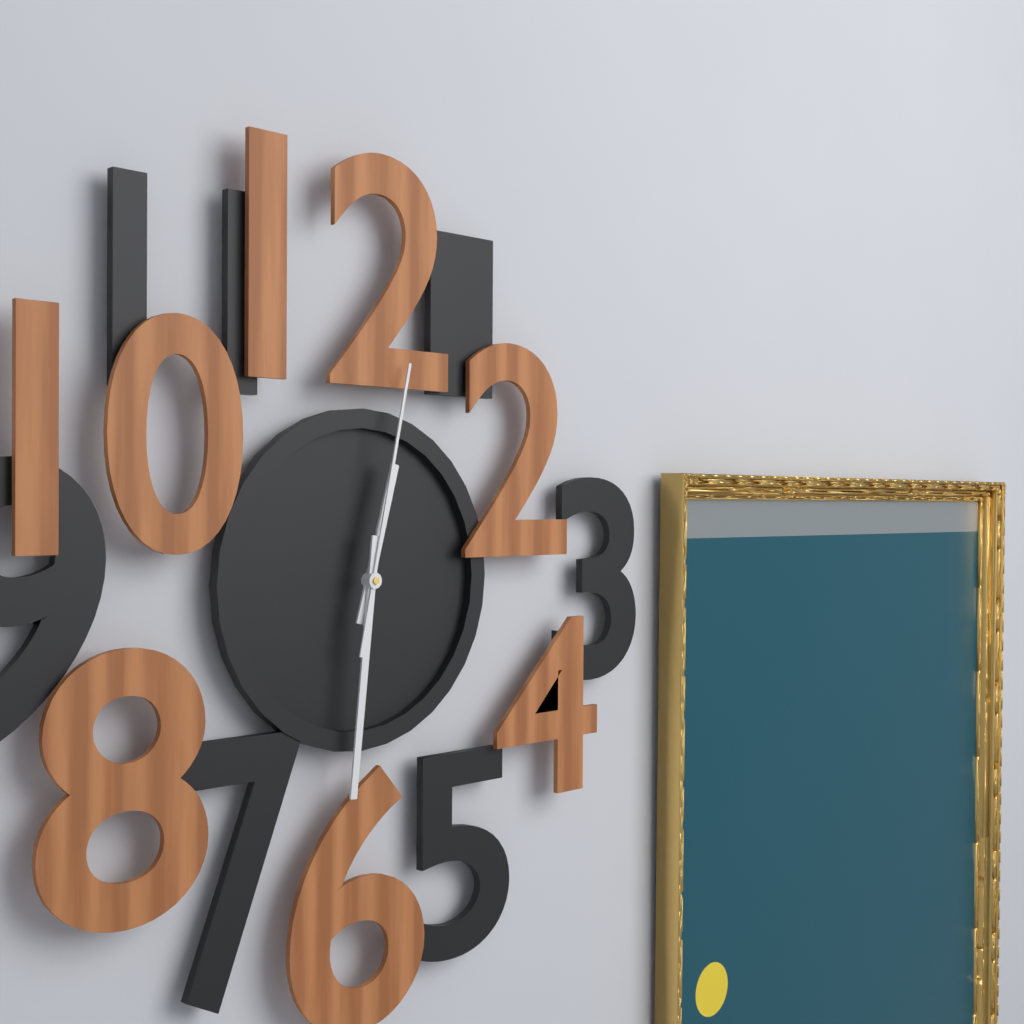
12:31:02
